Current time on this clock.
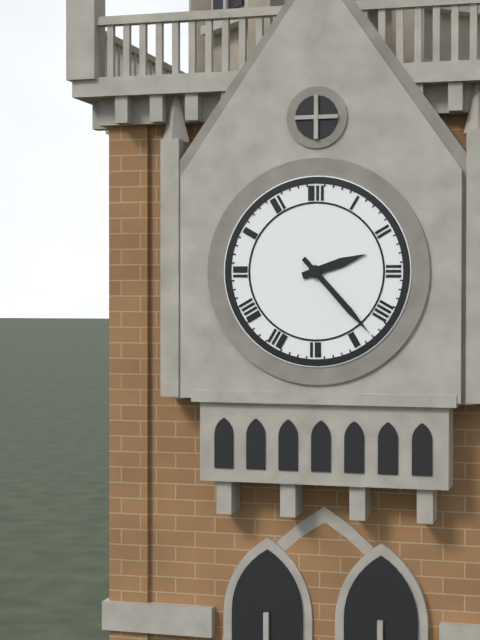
2:23
